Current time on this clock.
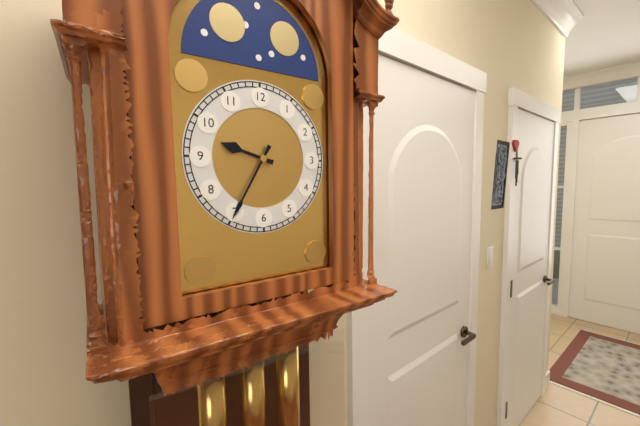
9:35
